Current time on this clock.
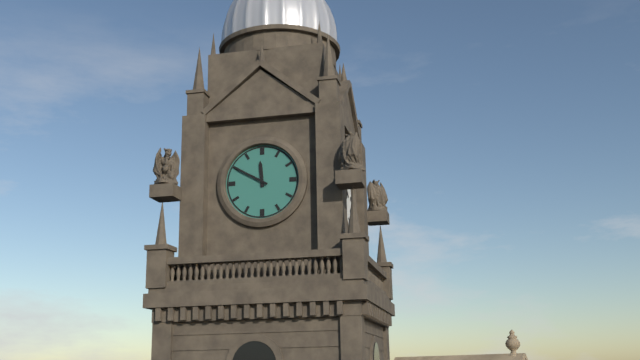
11:50
